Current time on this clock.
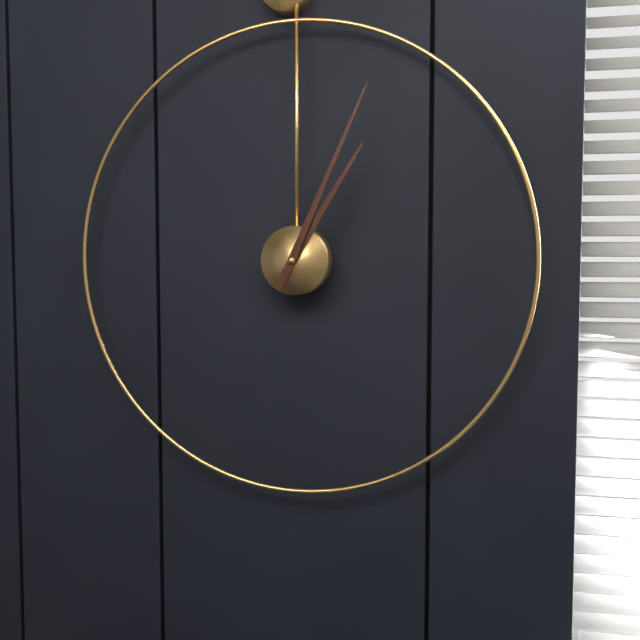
1:04
